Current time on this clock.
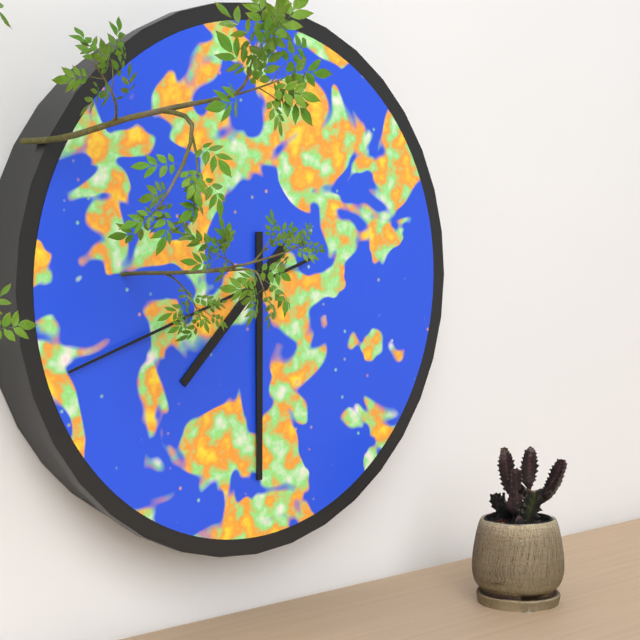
7:30:42
